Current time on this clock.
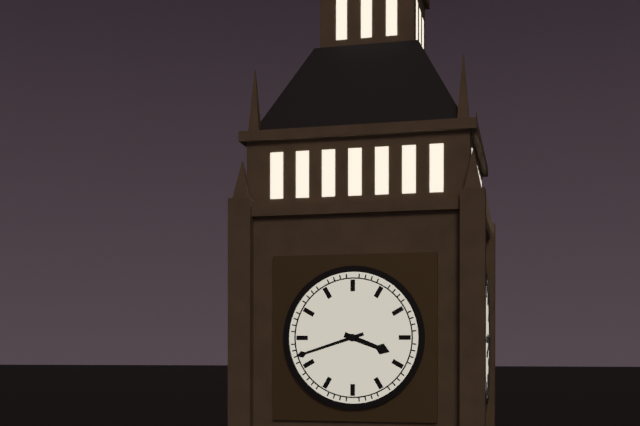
3:42
